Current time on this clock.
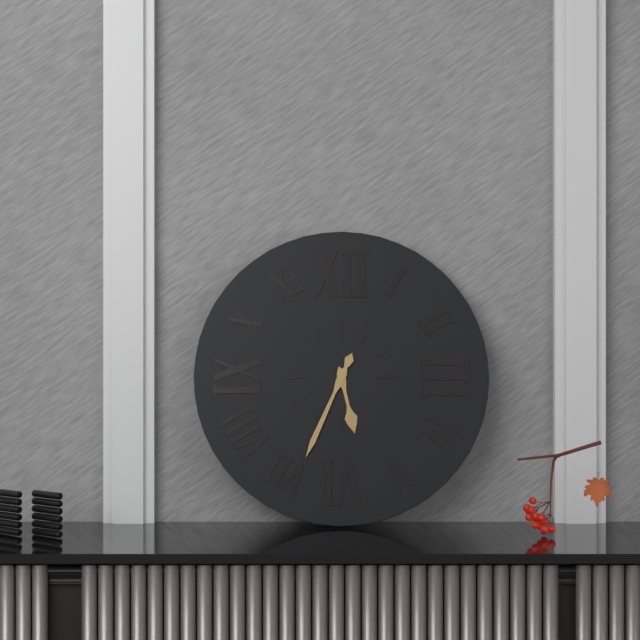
5:34
